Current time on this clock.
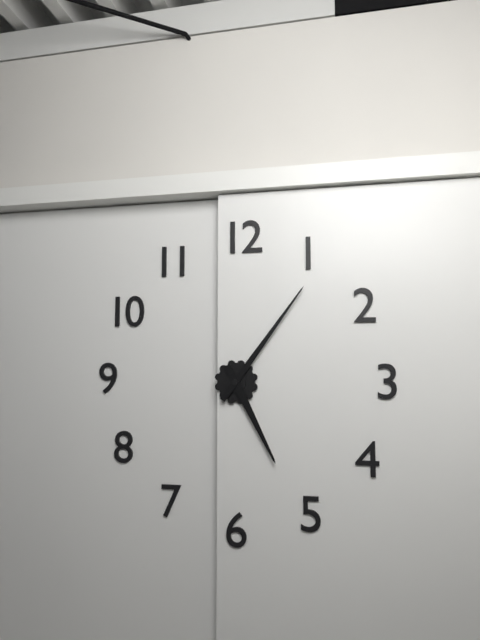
5:06
